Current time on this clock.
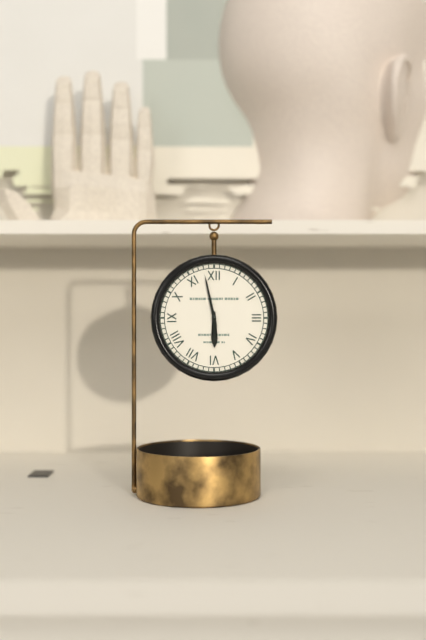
5:58
